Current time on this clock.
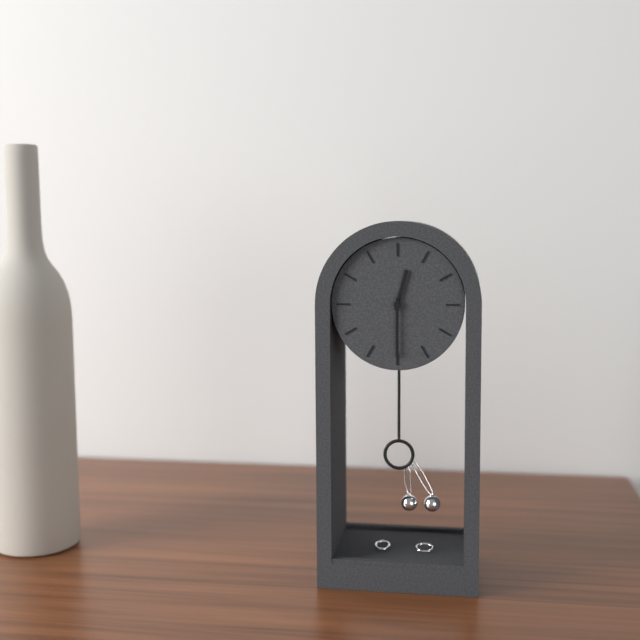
12:30
